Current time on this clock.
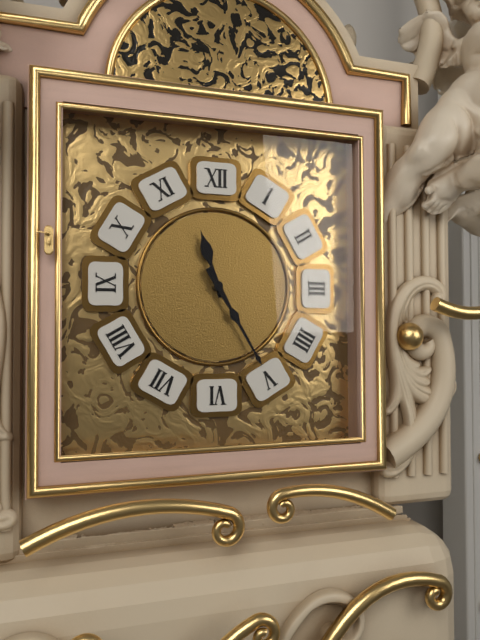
11:25
